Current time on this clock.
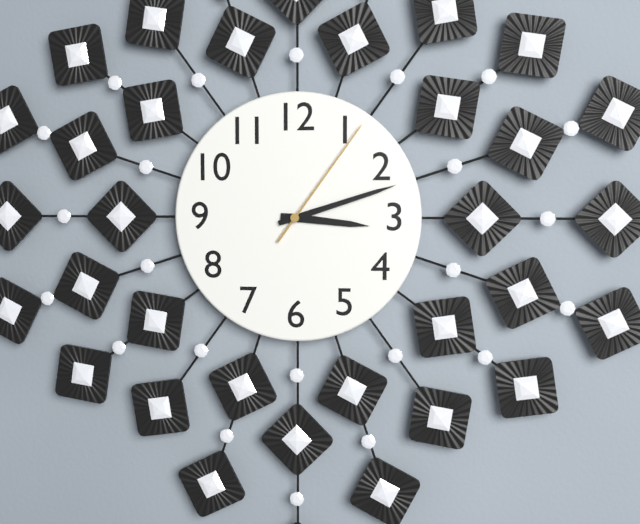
3:12:06
